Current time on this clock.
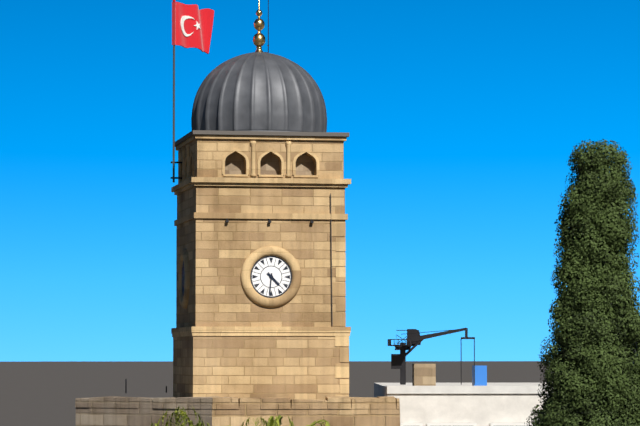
4:31
